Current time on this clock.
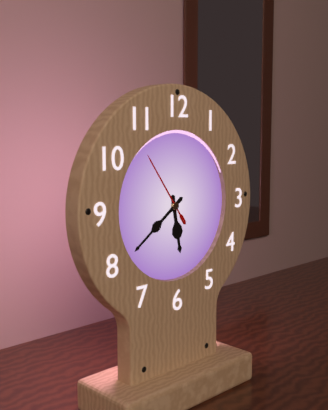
5:39:54
